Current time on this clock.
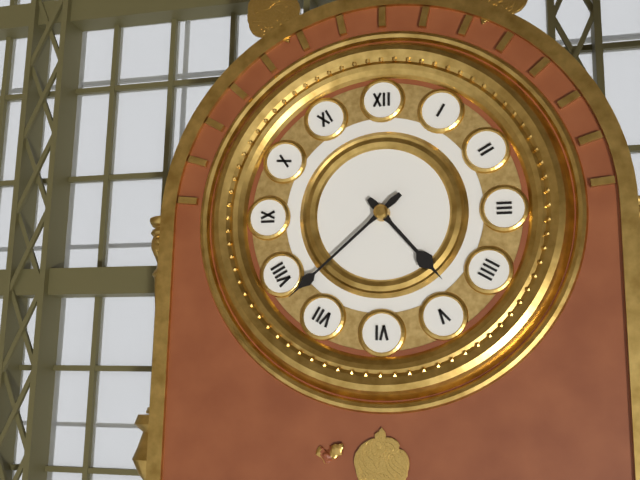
4:38
